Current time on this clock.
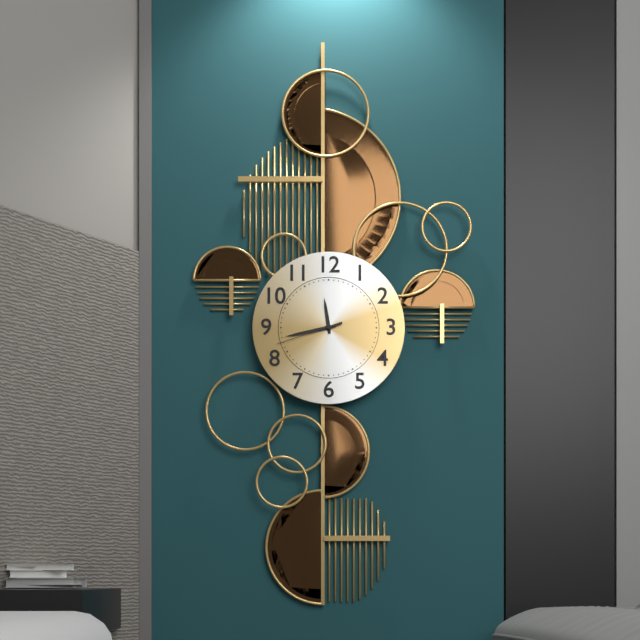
11:43:42
